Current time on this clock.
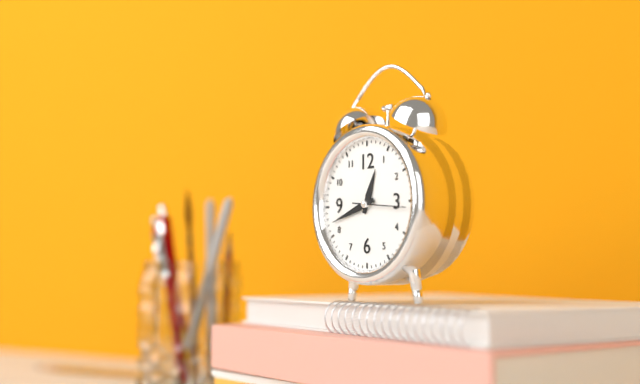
12:42:16
